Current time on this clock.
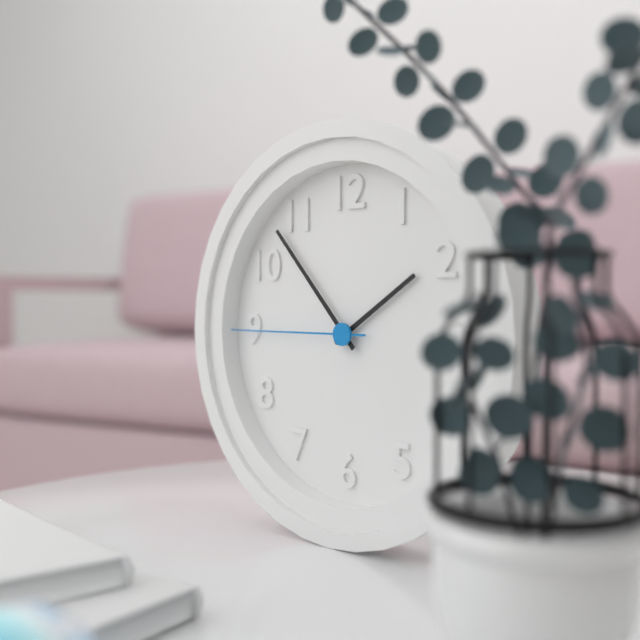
1:53:45
